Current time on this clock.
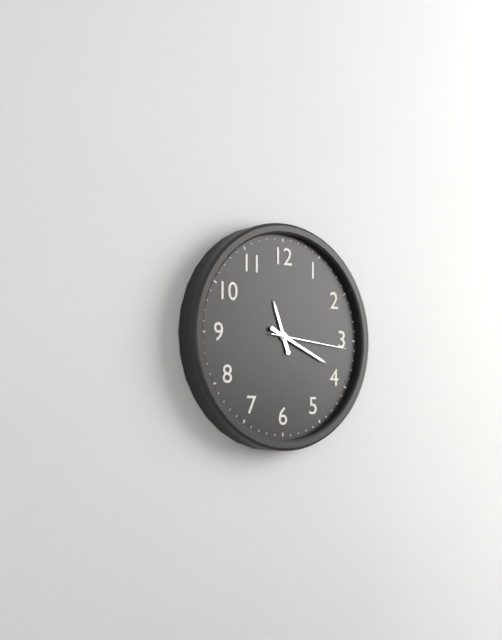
11:19:16
